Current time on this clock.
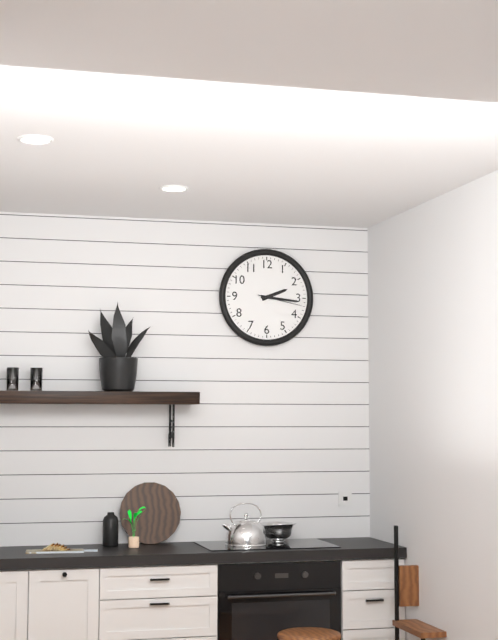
2:16
